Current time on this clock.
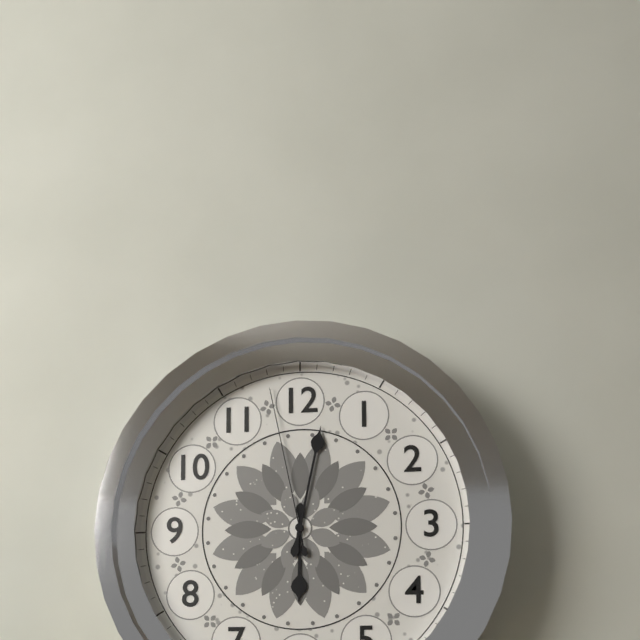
6:02:58
